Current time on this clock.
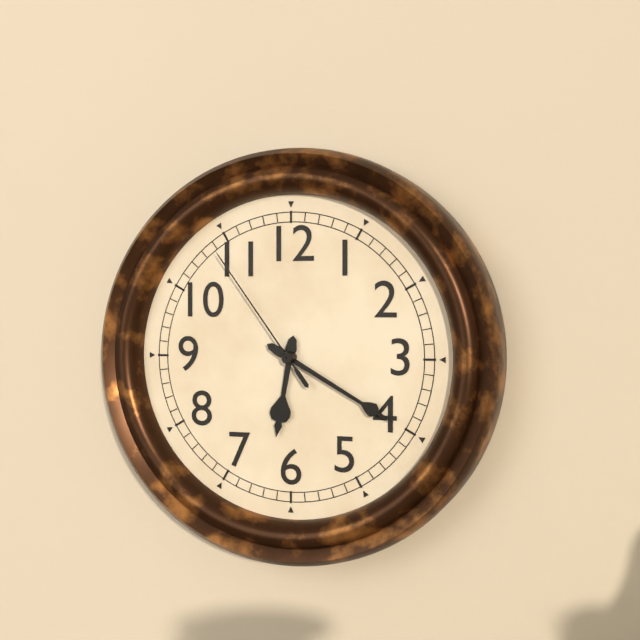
6:20:54
